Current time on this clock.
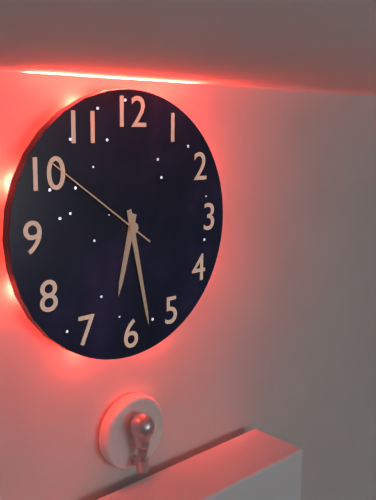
6:28:51
